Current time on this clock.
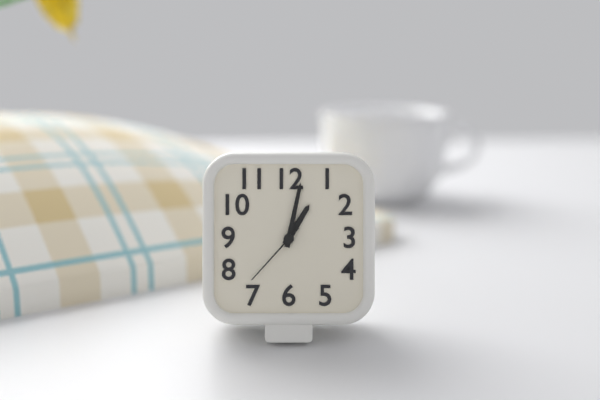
1:02:37
